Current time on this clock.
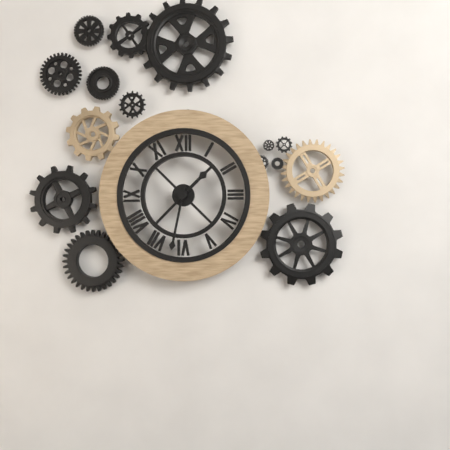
1:32
